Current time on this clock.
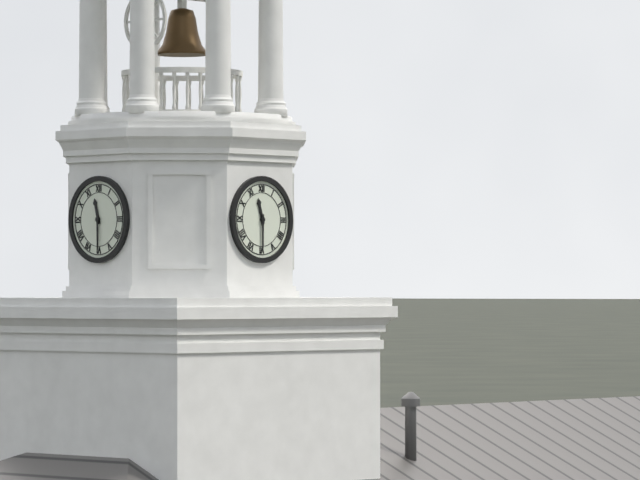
11:30
